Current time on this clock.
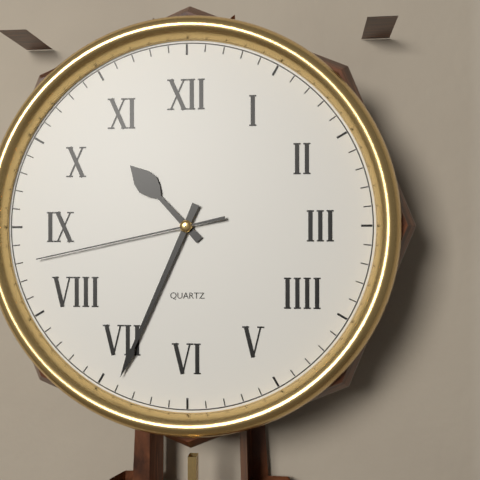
10:34:43
